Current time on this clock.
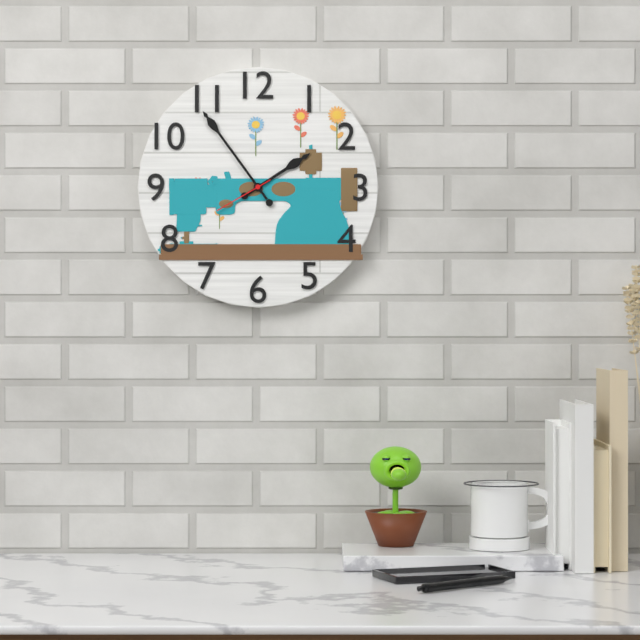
1:54:40
